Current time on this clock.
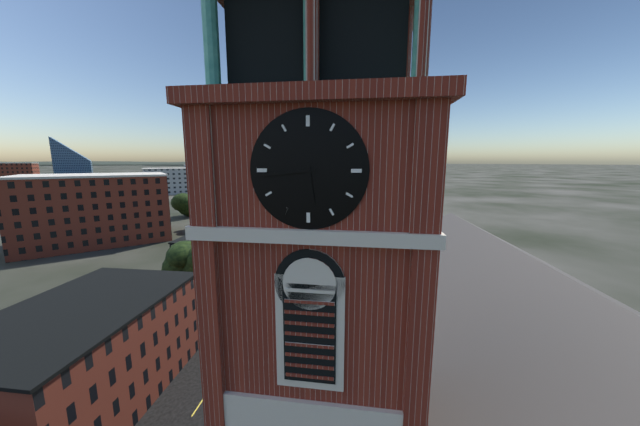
5:44
